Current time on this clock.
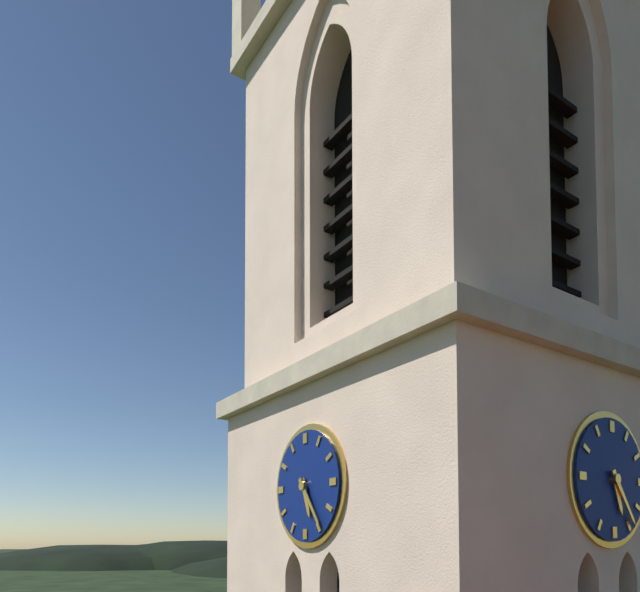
5:24
